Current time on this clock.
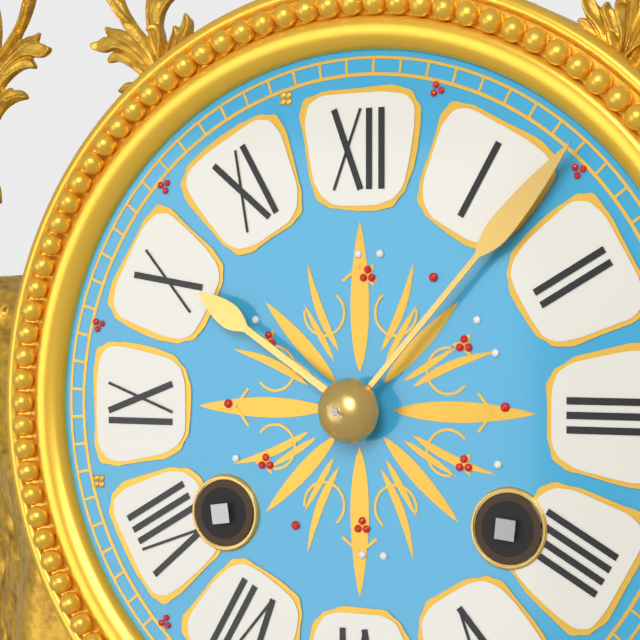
10:07
